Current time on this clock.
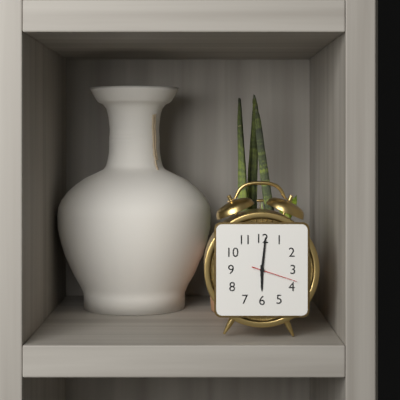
6:01
